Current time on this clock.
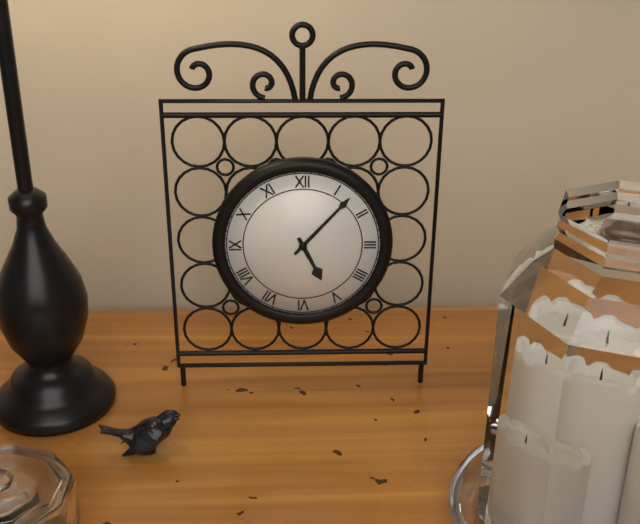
5:07
